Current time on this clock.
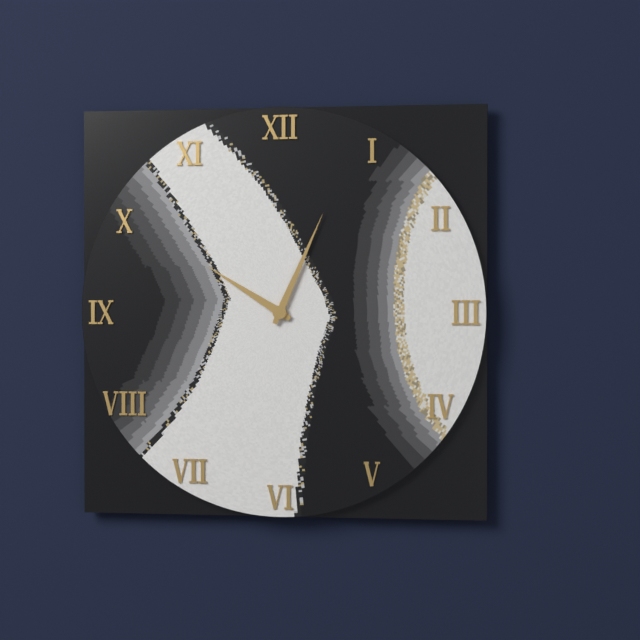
10:04
